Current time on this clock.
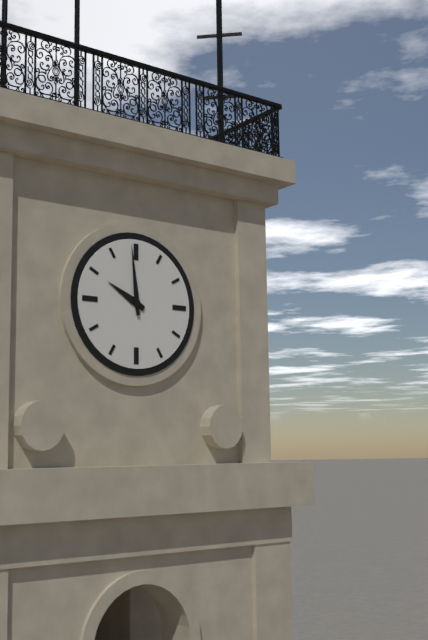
9:59
